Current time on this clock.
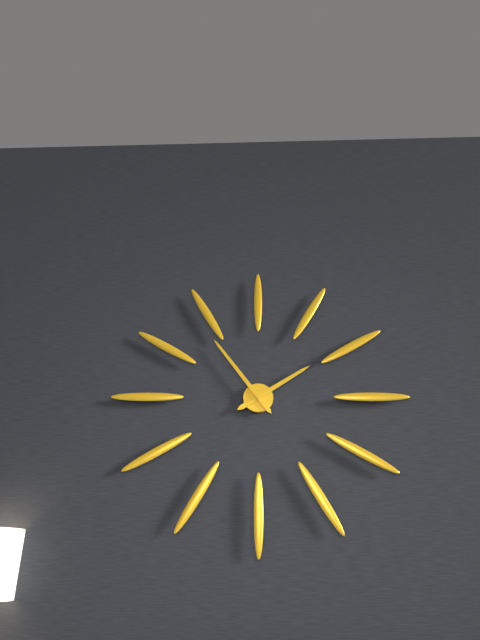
1:54
